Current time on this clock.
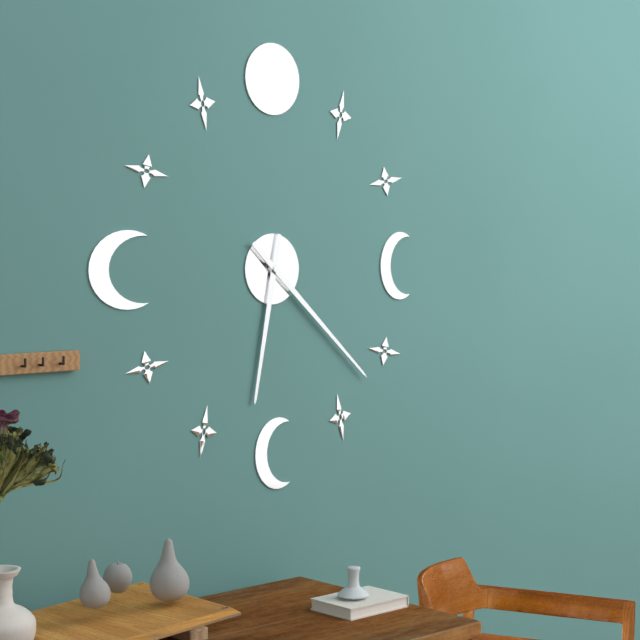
6:22
